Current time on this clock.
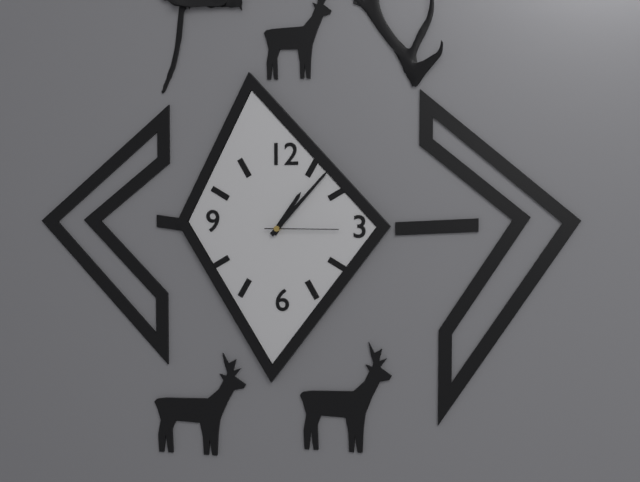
1:07:15
